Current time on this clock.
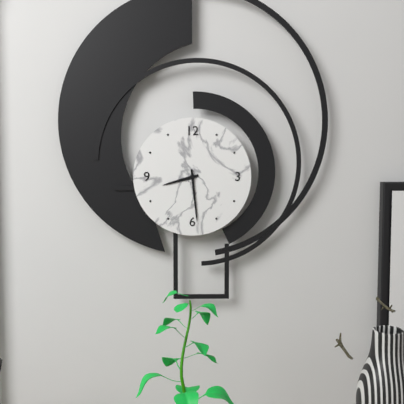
8:29
